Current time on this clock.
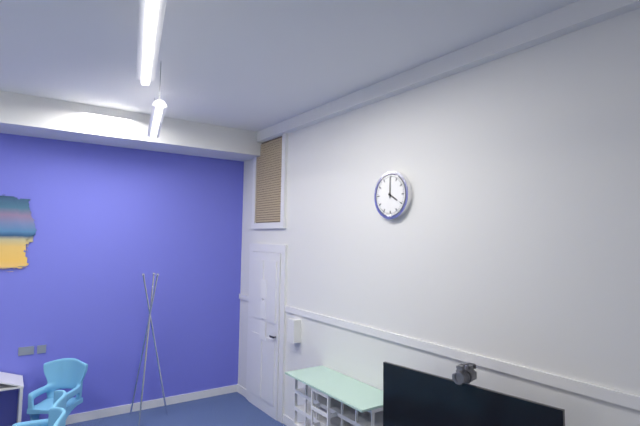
4:00
